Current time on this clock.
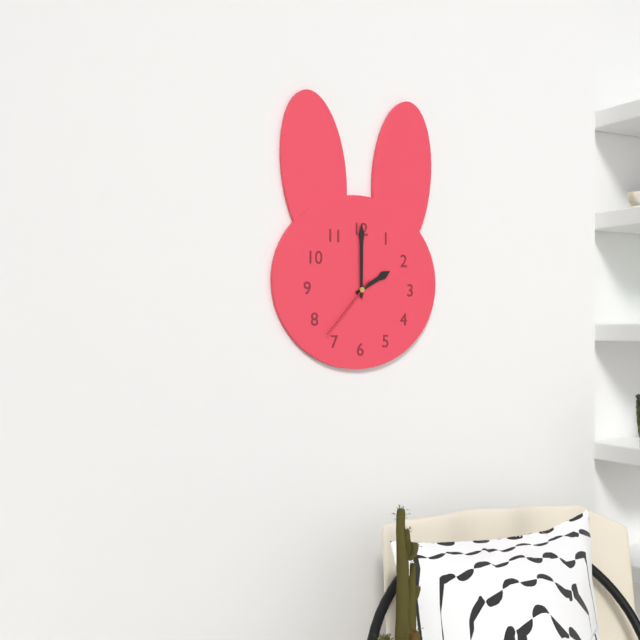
2:00:37
